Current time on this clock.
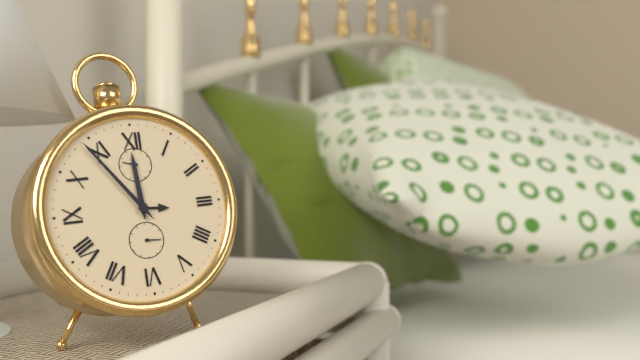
11:54
